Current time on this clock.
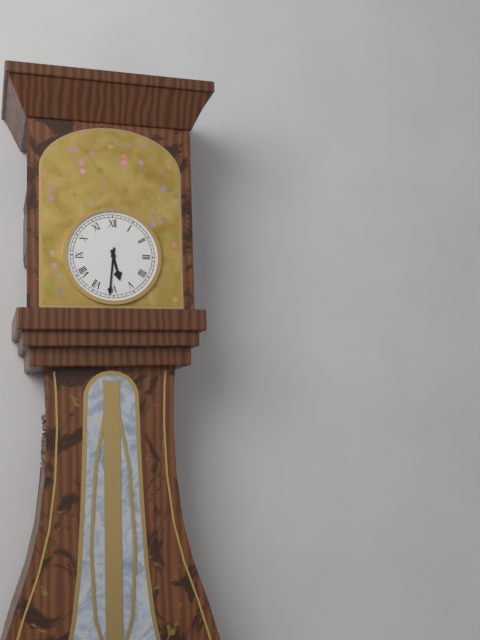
5:31
